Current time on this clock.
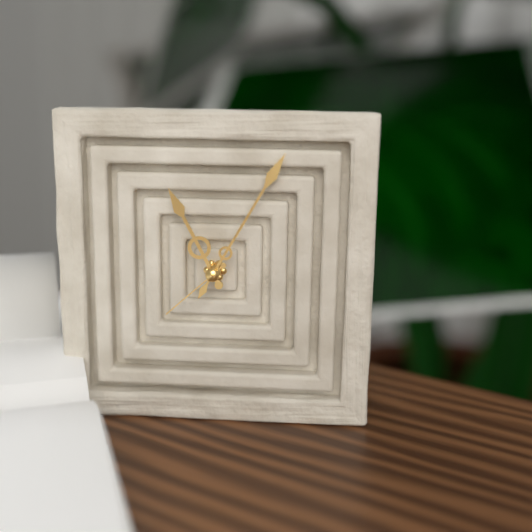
11:05:38
